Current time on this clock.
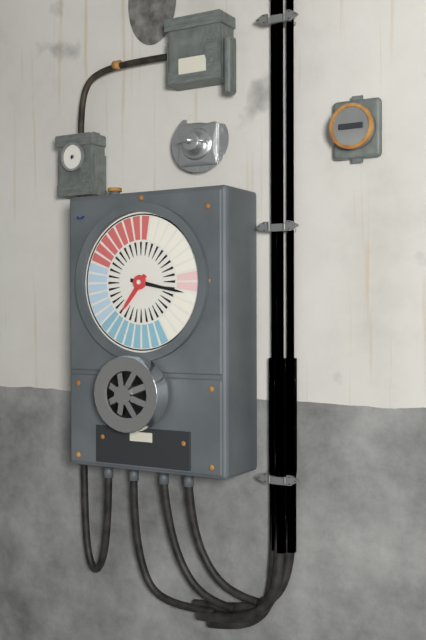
7:17
